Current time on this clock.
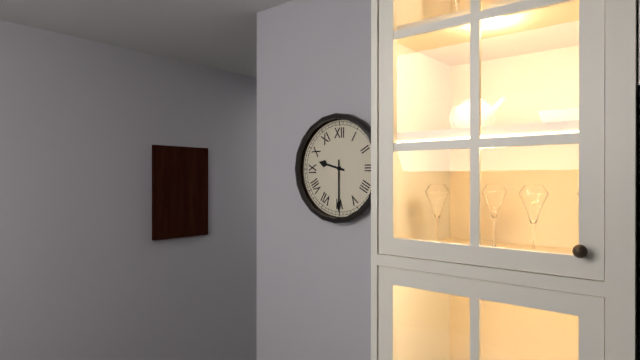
9:30
